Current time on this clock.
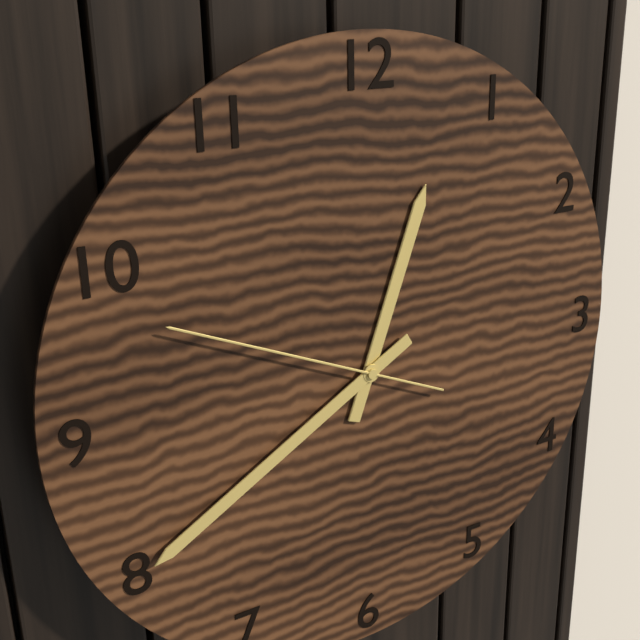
12:40:49
